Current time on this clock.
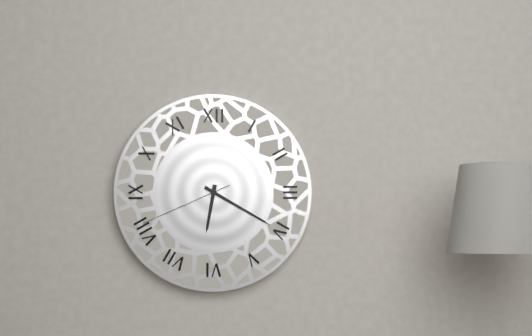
6:20:41
